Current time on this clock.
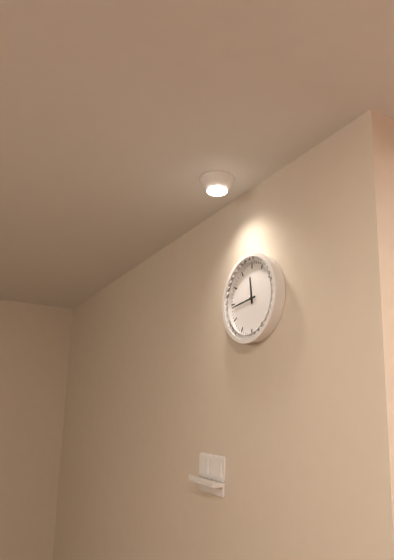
11:44
